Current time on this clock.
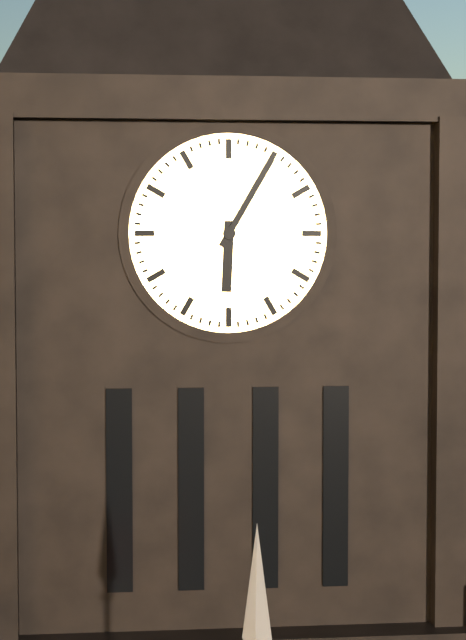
6:05
